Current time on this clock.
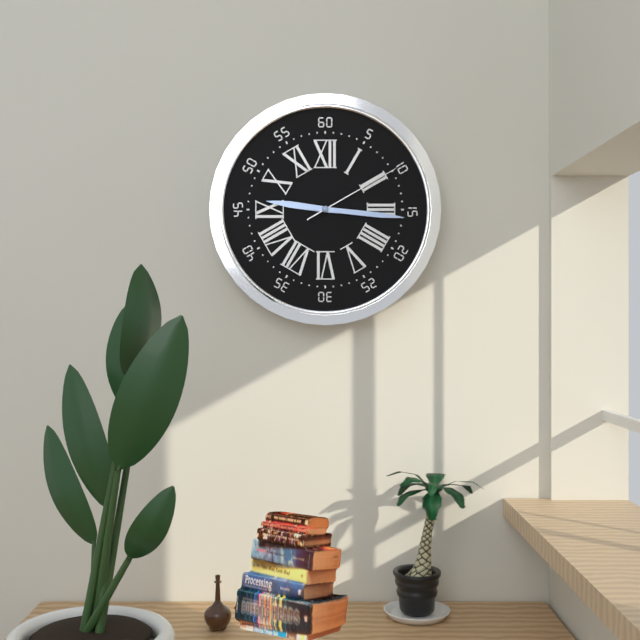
9:16:10
